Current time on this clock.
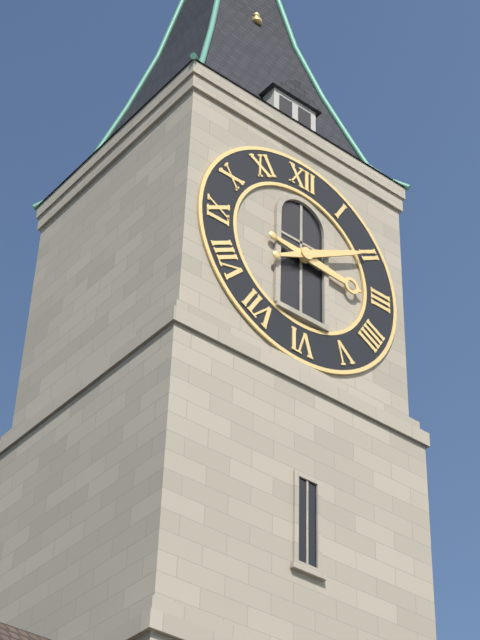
3:10
